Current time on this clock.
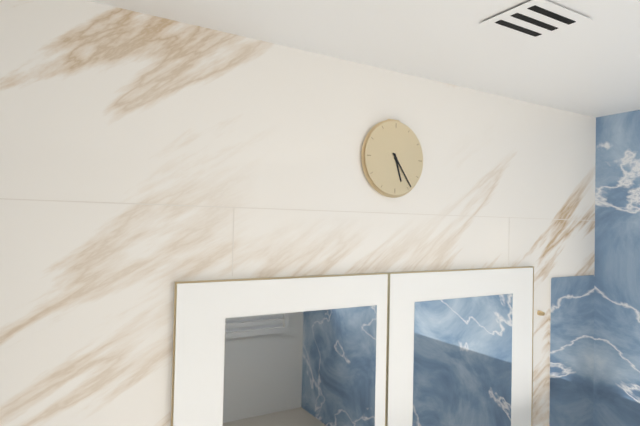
5:24
